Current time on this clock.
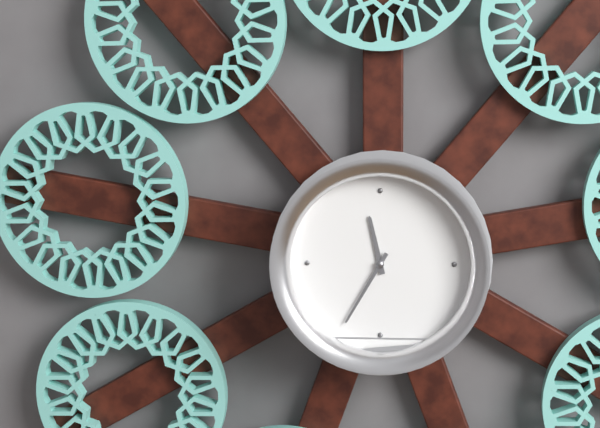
11:35
